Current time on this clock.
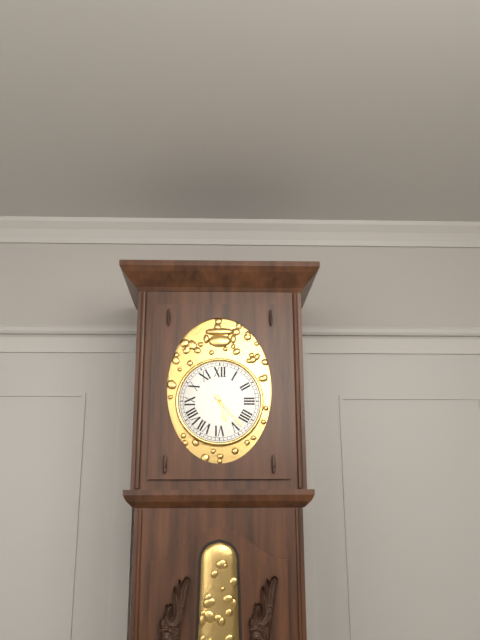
5:23
